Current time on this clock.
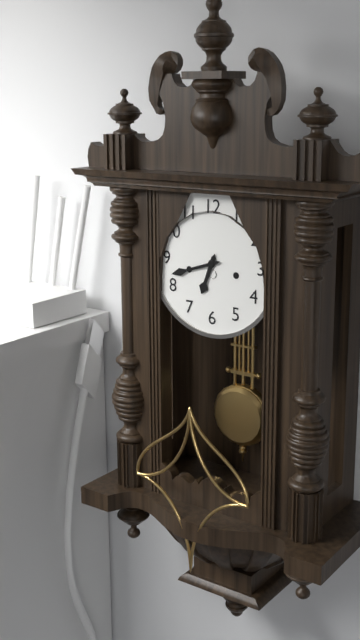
6:42
